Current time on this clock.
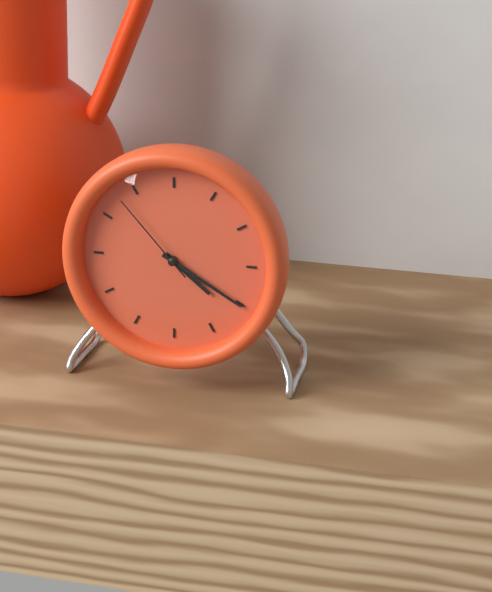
4:20:53
